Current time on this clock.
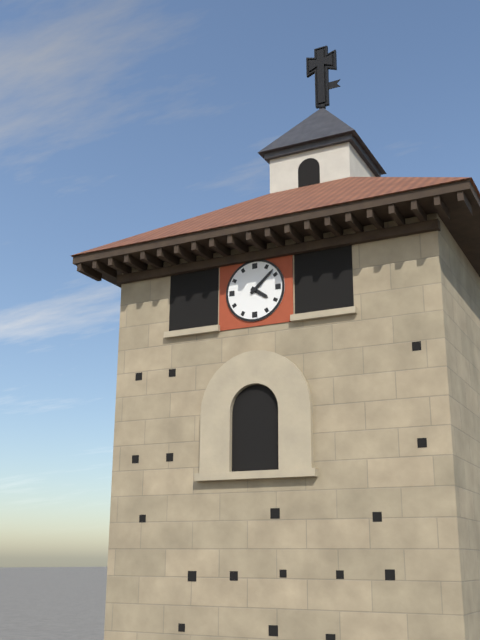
4:08
